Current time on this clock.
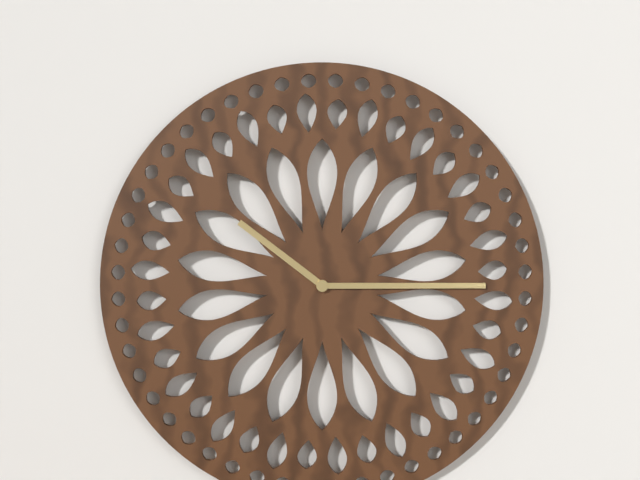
10:15
